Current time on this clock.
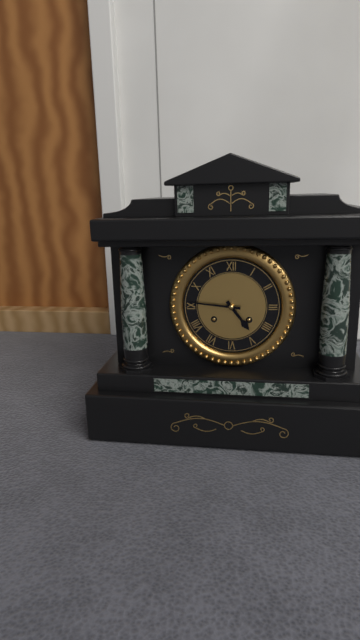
4:46
